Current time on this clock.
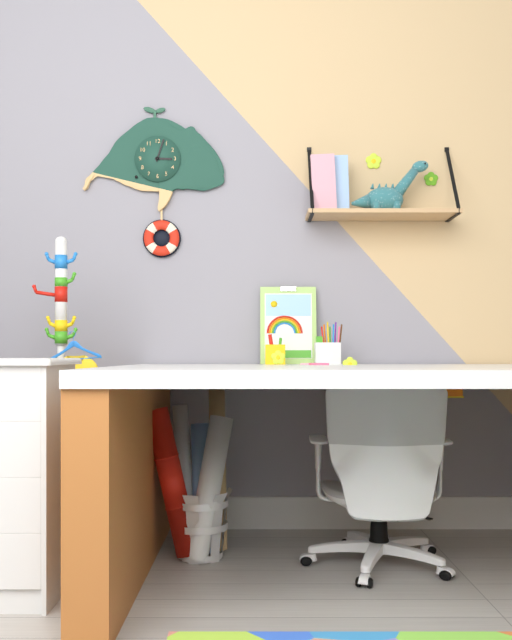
3:03
